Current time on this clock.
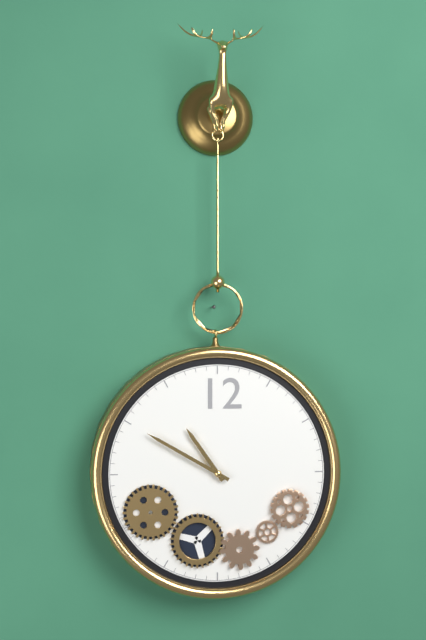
10:50
